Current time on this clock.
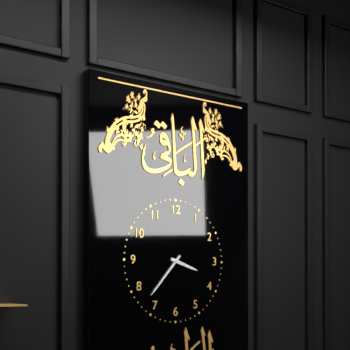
3:37
